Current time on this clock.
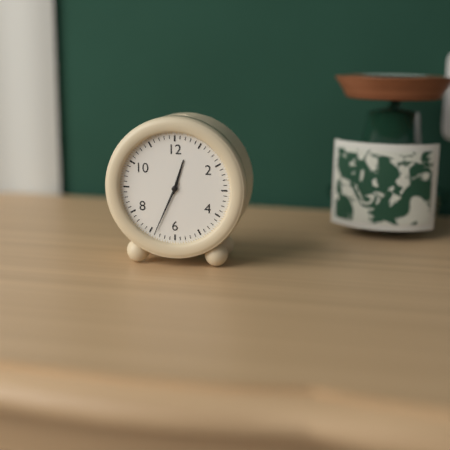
12:34
